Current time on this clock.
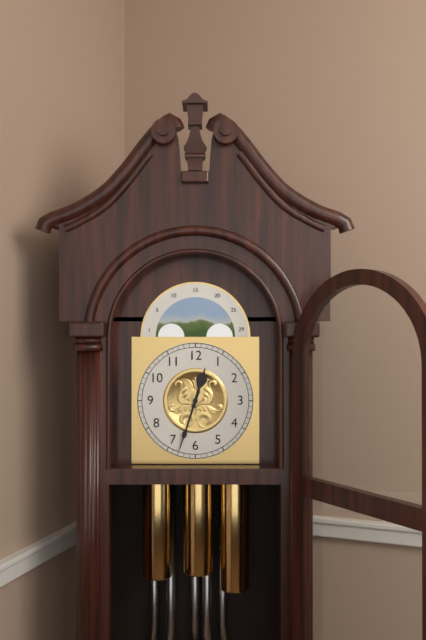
12:33
